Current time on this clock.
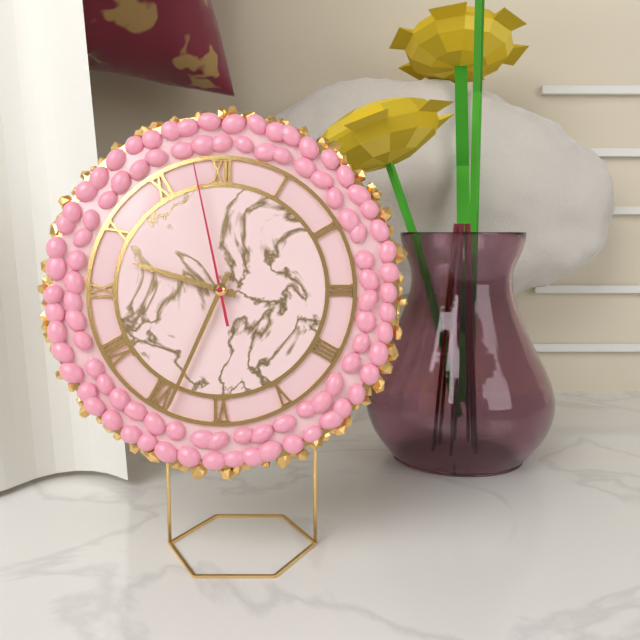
9:34:58
